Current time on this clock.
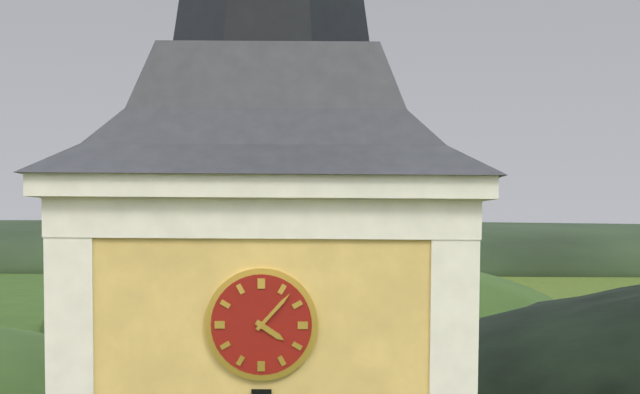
4:07
